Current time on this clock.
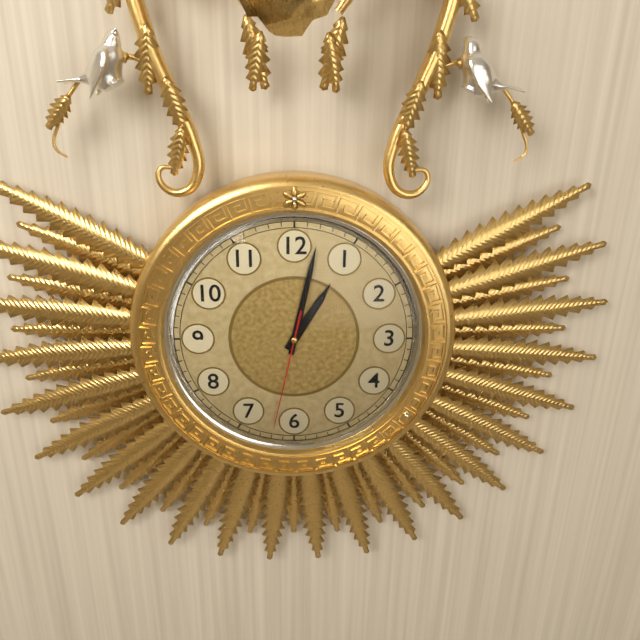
1:02:32
